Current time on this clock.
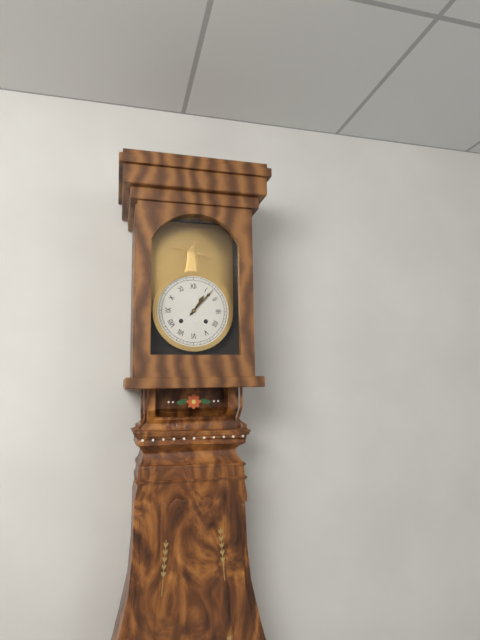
1:07
